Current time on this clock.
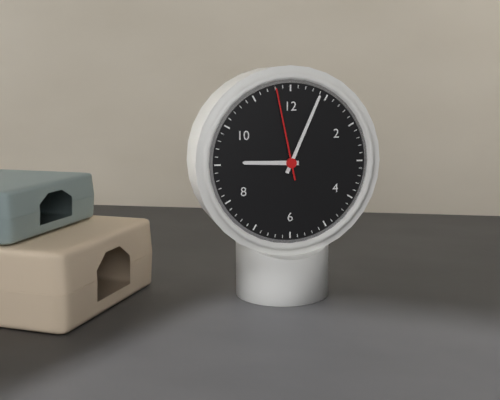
9:04:58
